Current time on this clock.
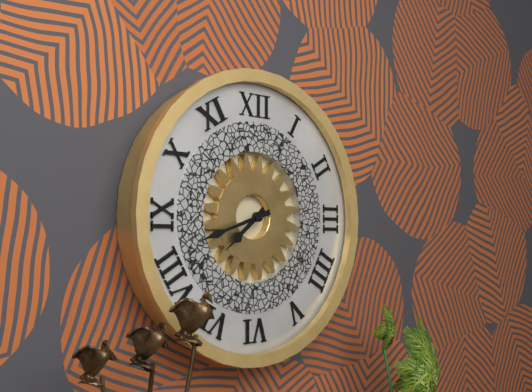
7:42
